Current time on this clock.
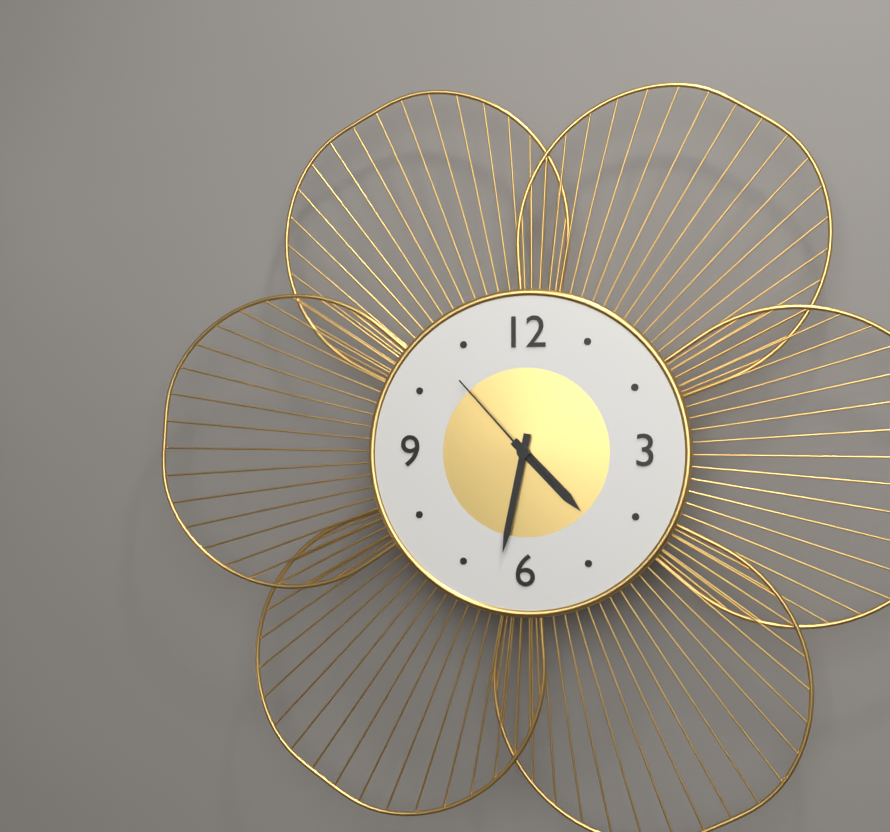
4:32:53
